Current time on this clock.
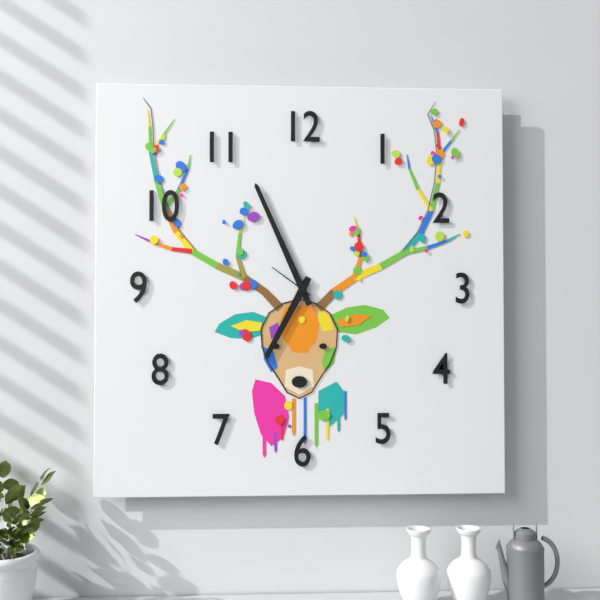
6:56
